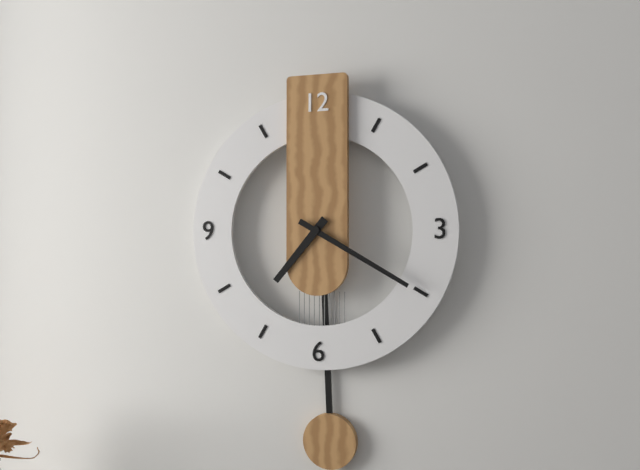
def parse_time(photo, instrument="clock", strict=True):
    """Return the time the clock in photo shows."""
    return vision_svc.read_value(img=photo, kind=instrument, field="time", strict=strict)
7:20
